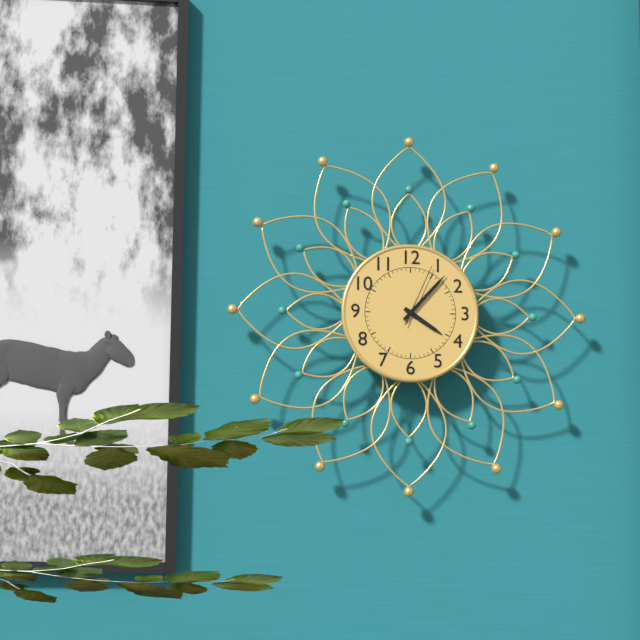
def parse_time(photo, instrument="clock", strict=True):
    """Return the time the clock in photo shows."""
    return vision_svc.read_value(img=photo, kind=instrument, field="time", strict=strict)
4:07:04
